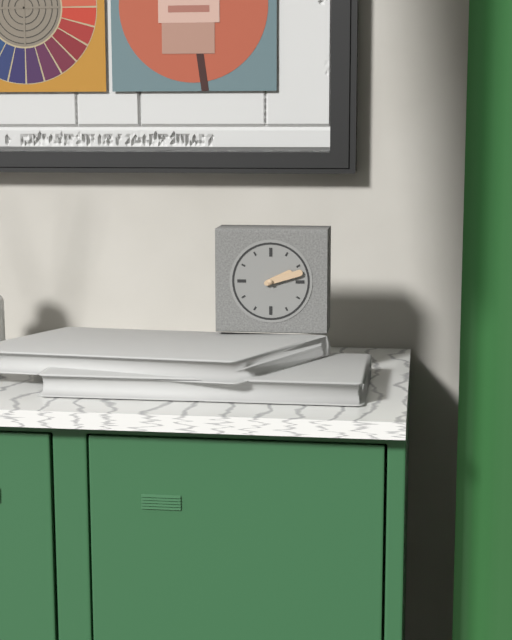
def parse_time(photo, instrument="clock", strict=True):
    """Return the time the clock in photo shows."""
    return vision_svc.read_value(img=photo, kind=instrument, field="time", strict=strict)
2:12
